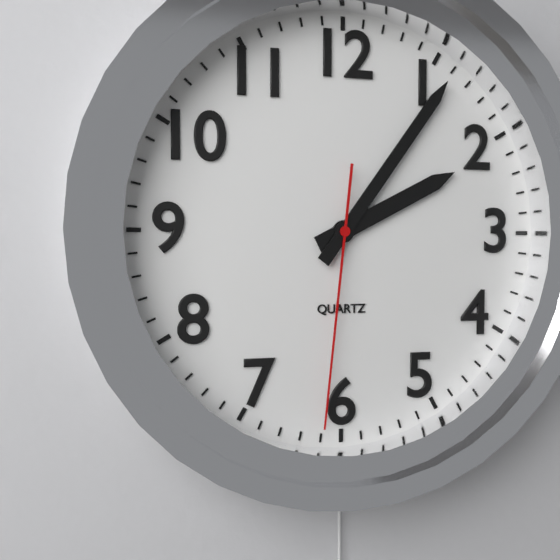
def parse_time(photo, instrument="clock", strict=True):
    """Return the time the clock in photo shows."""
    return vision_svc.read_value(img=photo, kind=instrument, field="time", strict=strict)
2:06:31
